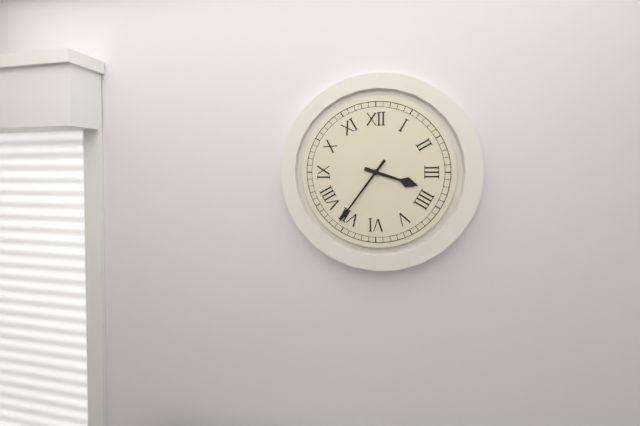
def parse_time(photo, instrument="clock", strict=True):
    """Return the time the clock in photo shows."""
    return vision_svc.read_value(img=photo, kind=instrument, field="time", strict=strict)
3:36
